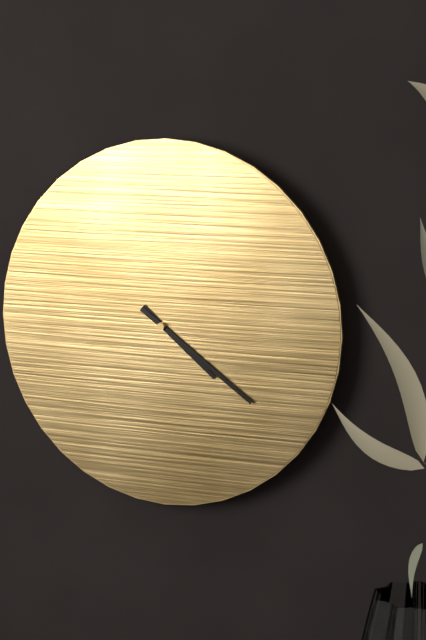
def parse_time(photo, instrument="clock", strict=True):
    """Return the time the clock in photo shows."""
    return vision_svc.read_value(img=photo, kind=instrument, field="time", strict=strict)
4:21
